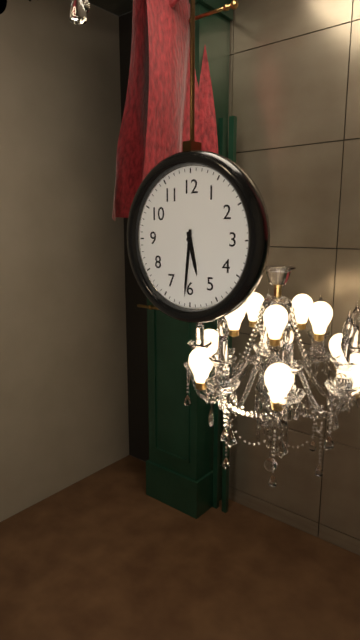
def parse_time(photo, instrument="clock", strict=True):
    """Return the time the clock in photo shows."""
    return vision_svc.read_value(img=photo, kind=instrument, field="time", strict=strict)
5:31
